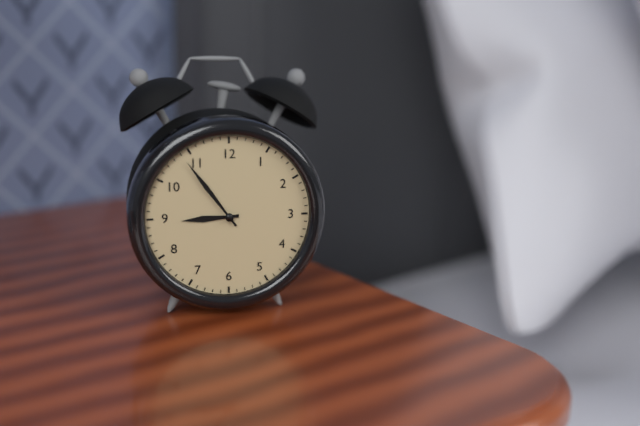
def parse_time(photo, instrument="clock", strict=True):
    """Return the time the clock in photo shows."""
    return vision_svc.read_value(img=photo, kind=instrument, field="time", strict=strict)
8:54
